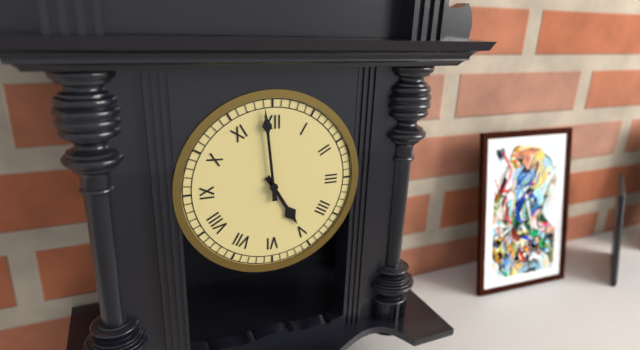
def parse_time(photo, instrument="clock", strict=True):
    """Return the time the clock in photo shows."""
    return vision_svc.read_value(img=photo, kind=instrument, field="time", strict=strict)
4:59
